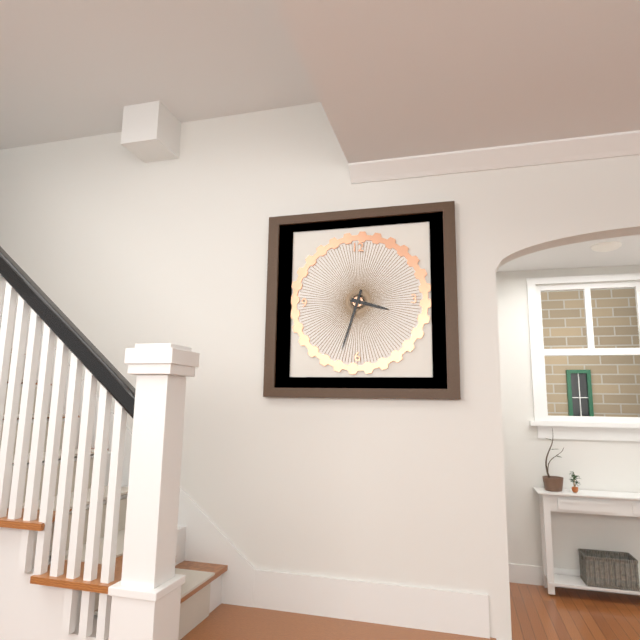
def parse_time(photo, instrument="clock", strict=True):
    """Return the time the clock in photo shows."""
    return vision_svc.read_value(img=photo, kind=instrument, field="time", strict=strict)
3:33
